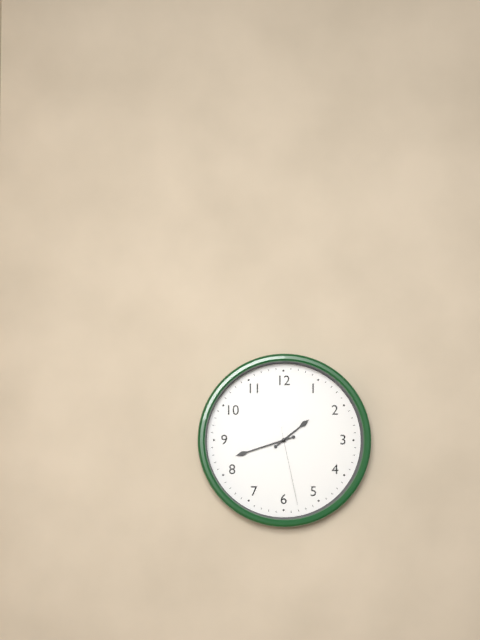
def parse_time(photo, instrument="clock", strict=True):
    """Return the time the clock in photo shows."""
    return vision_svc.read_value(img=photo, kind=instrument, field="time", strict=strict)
1:42:28
